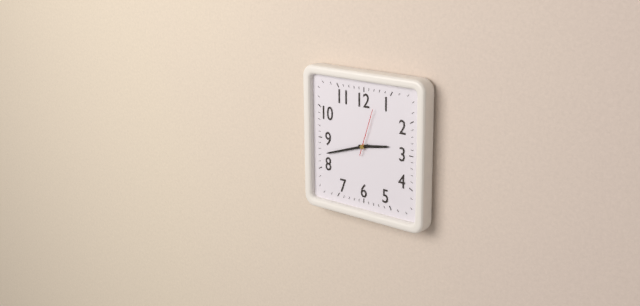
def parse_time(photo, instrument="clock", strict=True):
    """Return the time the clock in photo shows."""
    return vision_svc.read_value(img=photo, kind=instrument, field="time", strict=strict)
2:42
